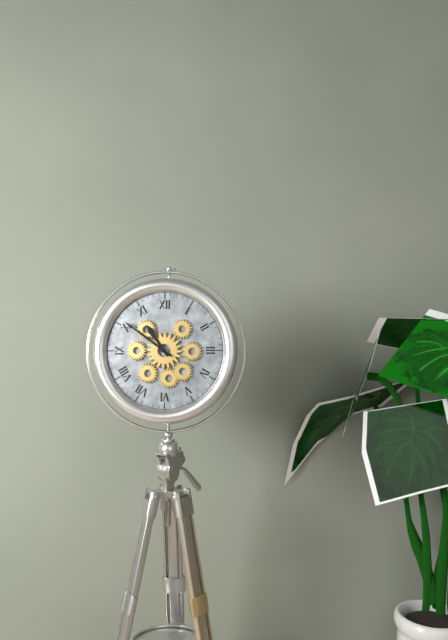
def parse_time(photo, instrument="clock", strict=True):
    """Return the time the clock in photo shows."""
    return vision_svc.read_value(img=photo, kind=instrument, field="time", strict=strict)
10:51
